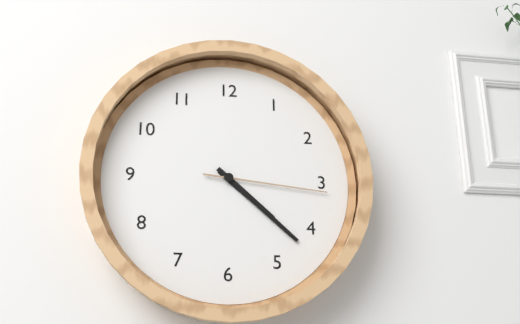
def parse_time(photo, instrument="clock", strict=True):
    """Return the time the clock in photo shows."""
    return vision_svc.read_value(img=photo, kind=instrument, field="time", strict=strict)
4:22:16
